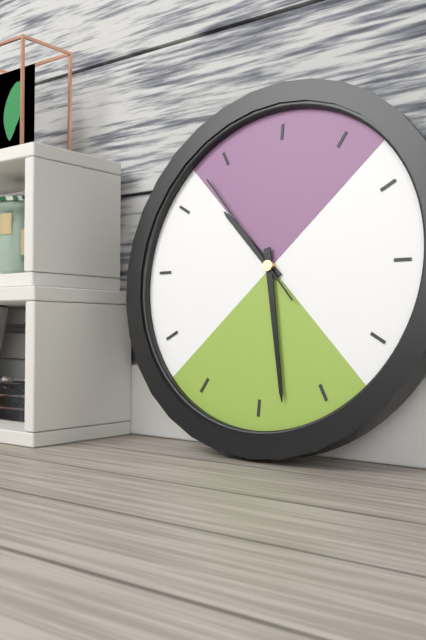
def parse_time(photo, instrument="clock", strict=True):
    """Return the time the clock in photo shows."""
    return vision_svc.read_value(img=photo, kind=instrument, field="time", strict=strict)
10:28:53
